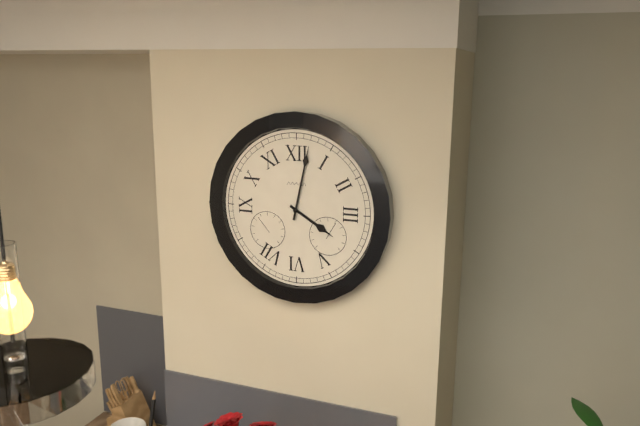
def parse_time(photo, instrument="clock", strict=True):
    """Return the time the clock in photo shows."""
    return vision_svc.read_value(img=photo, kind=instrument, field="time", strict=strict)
4:02
